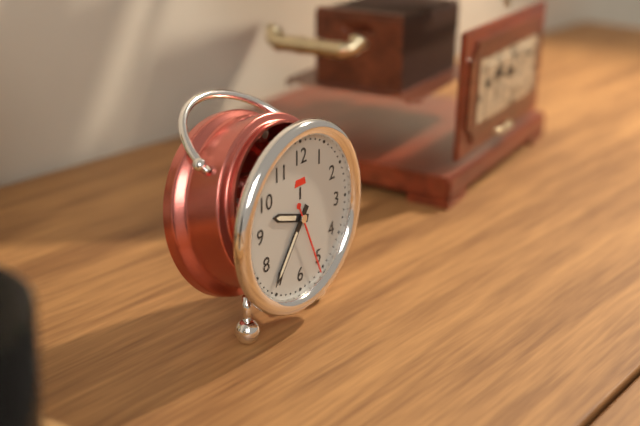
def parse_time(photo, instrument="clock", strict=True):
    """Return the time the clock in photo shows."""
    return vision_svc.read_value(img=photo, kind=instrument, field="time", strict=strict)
9:36:26
